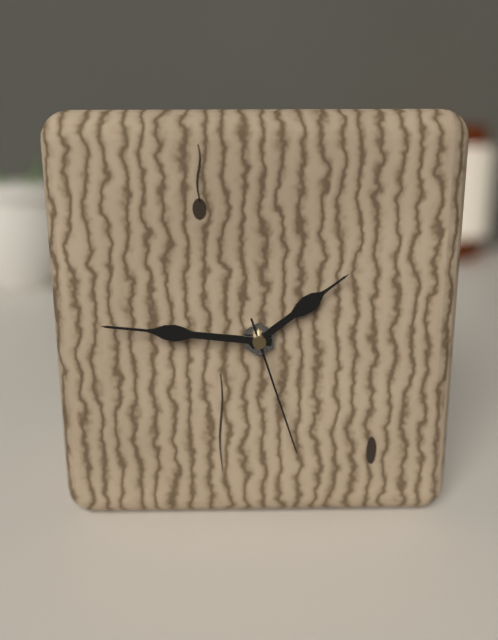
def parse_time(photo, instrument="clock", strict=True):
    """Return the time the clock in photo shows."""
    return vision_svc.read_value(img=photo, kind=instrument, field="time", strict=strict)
1:46:27
